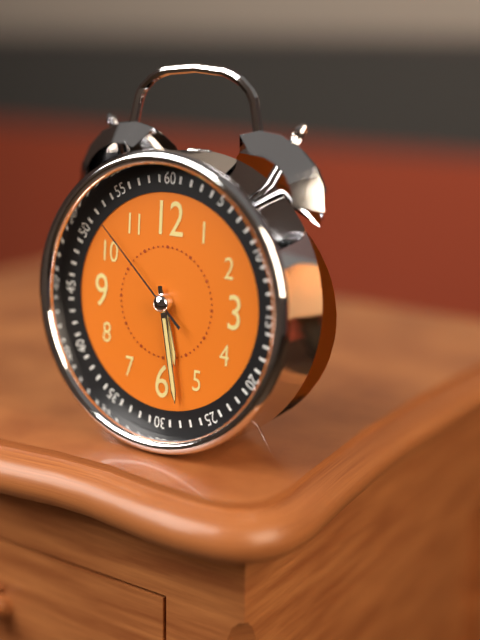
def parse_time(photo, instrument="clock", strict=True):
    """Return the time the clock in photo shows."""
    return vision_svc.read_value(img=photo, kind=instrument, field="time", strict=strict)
5:28:52
